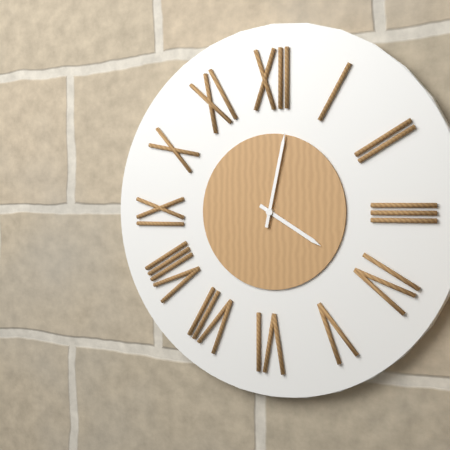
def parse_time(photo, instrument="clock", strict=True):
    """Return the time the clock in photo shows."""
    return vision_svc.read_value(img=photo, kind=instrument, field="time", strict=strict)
4:02
